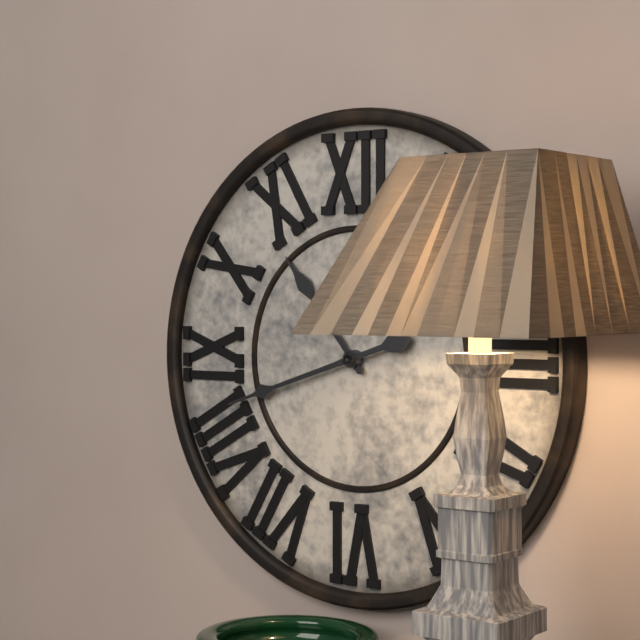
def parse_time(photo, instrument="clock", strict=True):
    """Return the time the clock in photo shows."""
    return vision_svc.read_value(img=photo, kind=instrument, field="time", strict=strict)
10:42
